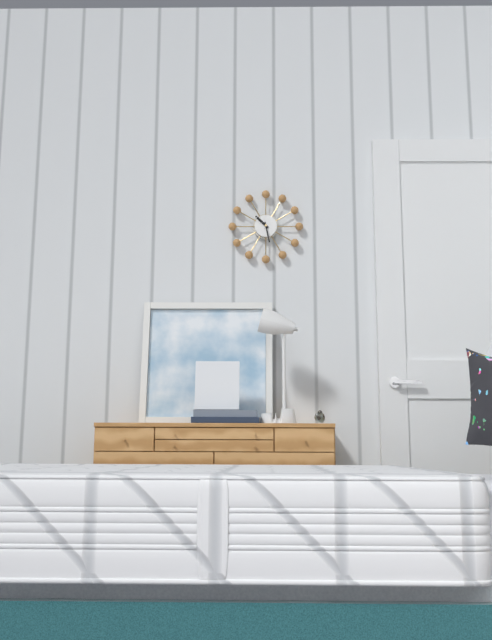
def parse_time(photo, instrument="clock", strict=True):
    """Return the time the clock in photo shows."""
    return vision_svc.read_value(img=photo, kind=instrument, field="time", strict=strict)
10:28
